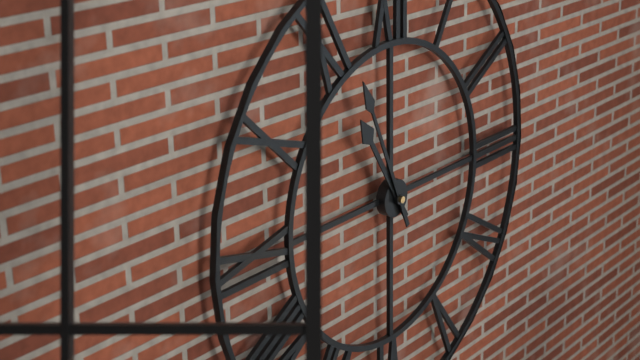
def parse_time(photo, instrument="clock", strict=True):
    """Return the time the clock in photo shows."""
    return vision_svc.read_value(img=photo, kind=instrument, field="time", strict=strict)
10:56
